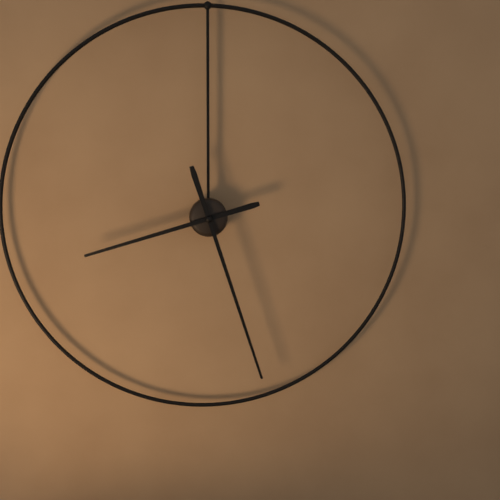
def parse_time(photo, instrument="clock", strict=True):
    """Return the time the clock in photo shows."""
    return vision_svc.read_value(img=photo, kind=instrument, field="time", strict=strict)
8:27
